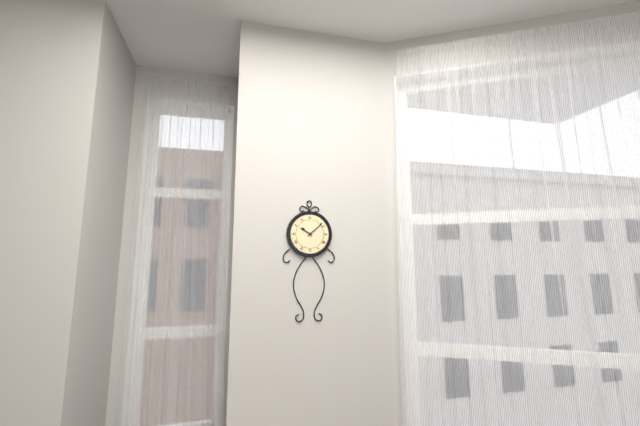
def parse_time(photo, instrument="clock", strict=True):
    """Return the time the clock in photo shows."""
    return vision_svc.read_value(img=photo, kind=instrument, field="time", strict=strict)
10:08
